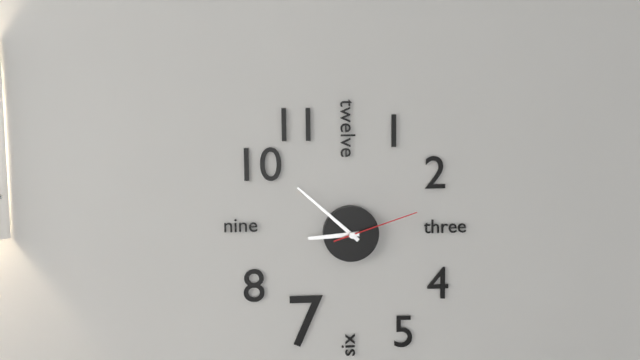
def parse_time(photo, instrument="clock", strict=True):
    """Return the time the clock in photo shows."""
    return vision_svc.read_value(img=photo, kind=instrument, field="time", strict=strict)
8:52:12
